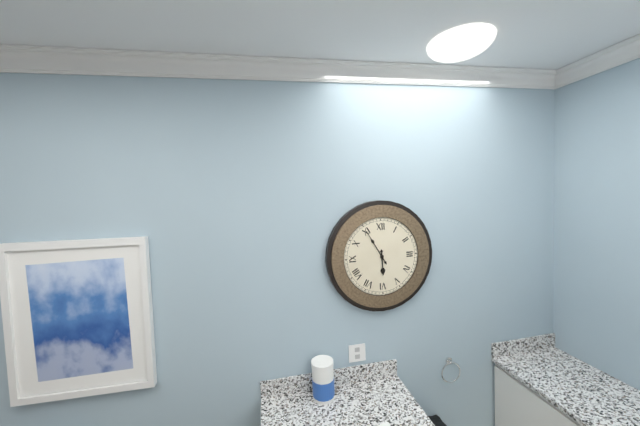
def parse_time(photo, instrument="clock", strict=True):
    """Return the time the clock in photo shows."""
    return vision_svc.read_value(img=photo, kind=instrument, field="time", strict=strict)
5:55
